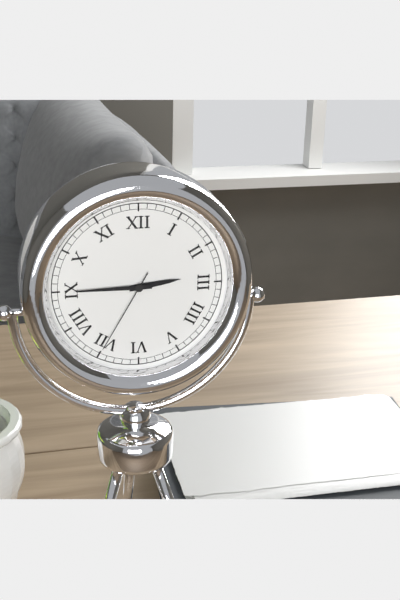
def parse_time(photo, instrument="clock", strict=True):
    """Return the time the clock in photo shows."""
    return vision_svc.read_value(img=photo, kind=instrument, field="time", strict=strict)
2:45:35
